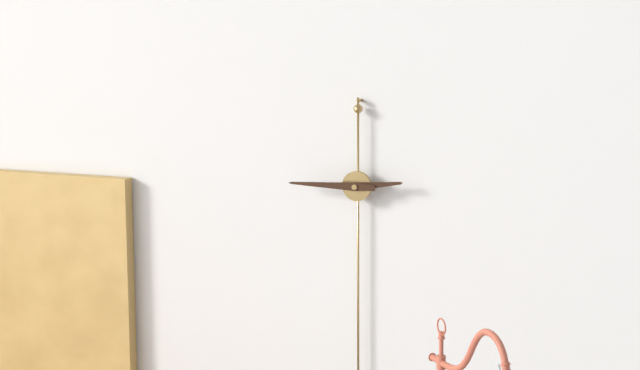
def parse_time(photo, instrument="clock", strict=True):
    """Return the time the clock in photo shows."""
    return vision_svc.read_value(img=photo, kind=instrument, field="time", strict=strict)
2:45
